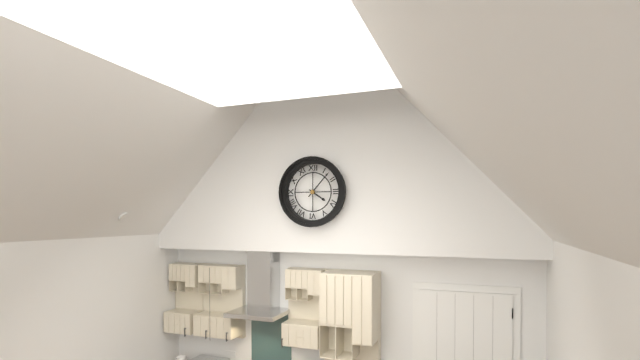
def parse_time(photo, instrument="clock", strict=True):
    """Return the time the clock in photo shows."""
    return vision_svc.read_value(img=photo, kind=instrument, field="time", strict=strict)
4:07
